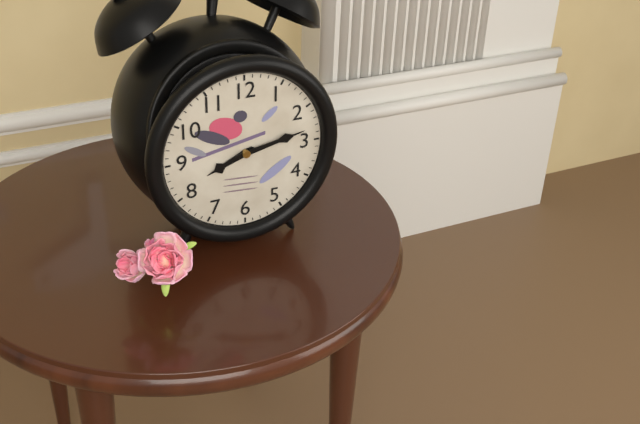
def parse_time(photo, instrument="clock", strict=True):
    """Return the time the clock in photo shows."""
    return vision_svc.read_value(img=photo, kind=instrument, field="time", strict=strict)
8:13
